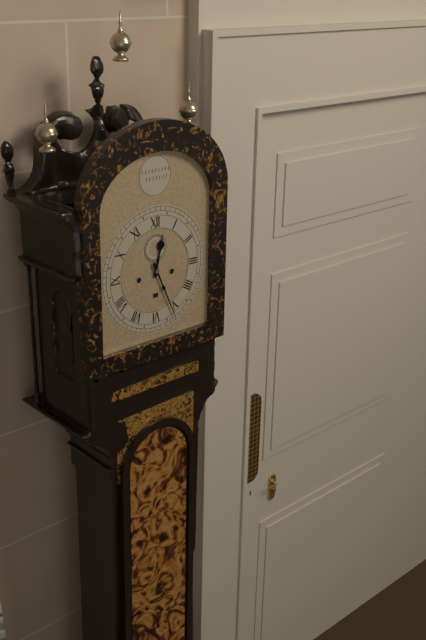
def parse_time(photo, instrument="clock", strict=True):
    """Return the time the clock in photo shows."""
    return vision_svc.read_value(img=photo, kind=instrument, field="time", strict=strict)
12:26
